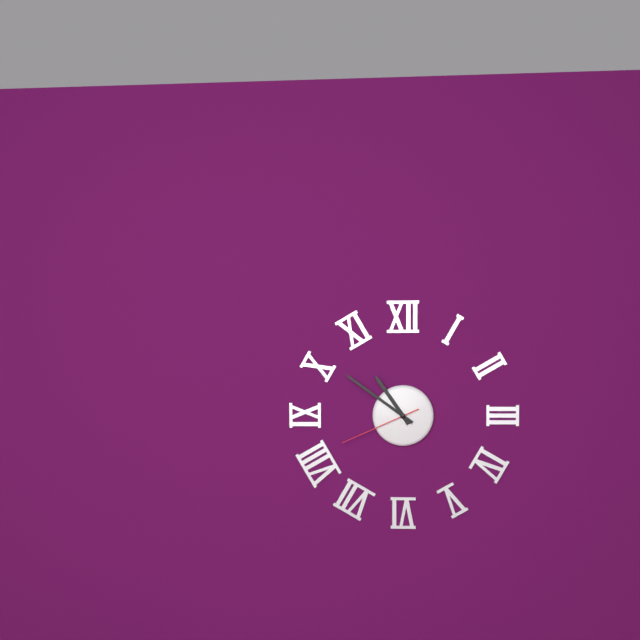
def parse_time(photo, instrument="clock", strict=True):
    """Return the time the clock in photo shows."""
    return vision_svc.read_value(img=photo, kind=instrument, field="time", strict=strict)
10:51:41
